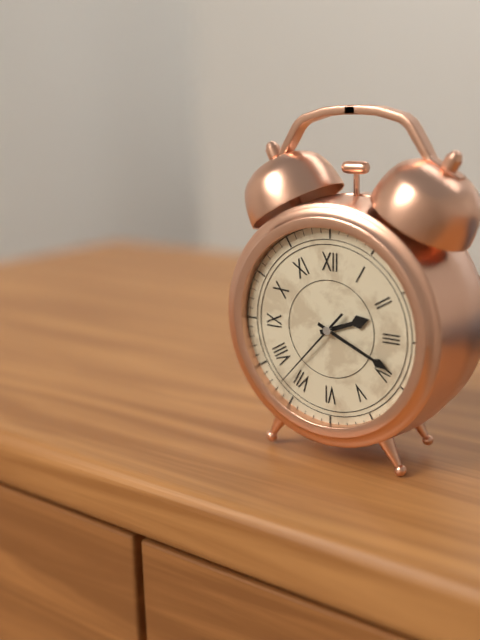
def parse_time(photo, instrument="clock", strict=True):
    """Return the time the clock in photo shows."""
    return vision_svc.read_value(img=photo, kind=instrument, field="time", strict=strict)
2:19:37
